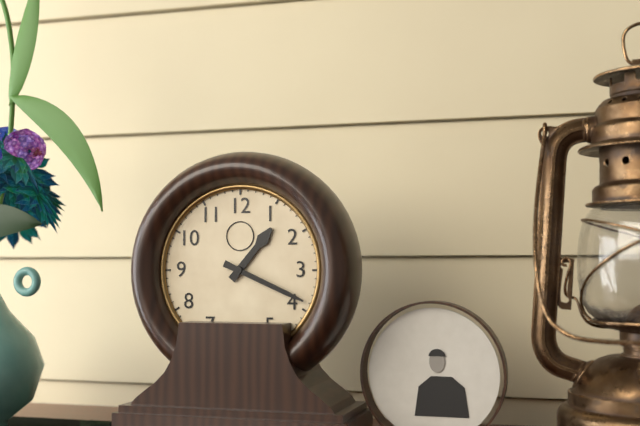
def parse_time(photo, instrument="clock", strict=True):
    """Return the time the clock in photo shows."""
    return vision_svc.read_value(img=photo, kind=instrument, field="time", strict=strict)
1:19
